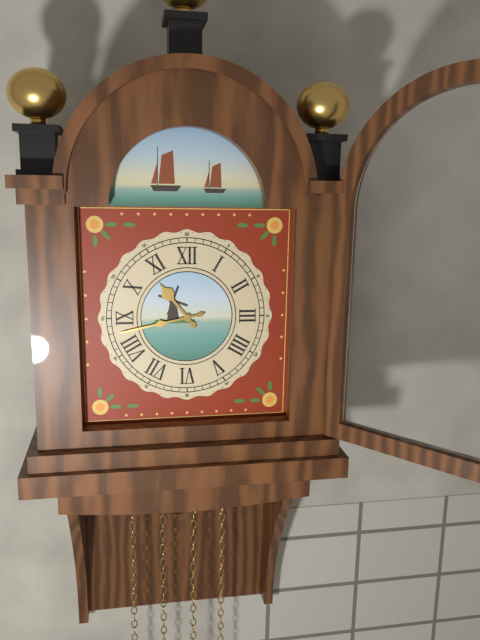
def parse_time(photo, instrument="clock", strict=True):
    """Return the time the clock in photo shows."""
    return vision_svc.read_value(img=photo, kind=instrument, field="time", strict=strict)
10:43
